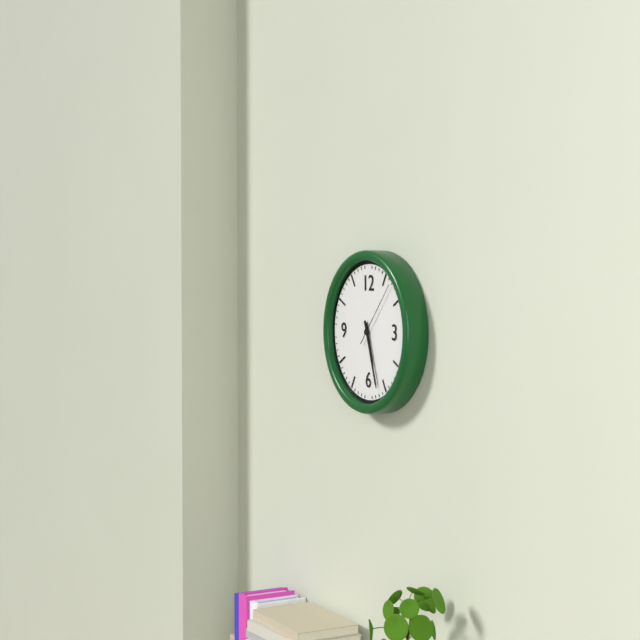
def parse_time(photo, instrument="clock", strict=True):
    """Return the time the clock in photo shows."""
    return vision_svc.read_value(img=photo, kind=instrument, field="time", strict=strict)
5:27:07
